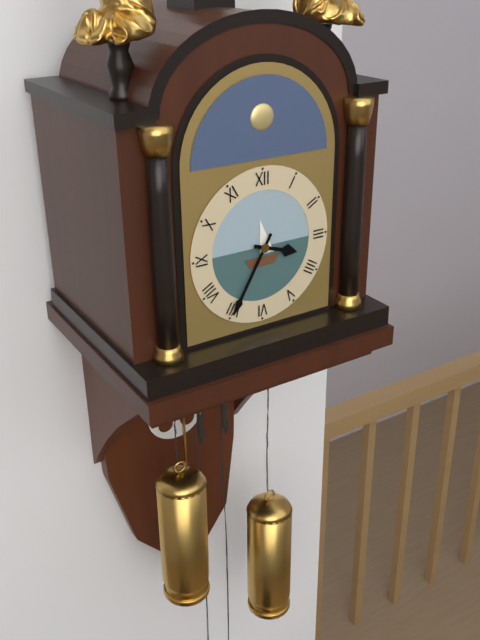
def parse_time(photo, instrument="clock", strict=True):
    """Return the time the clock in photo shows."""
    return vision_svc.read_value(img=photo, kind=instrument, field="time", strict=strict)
3:35
